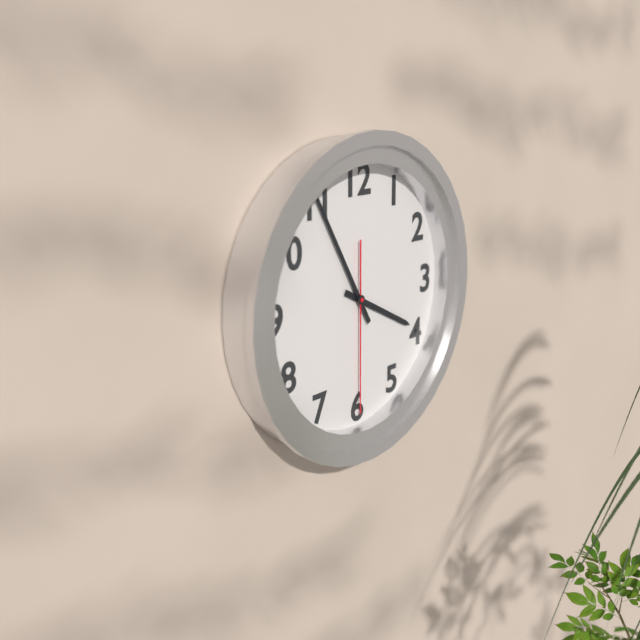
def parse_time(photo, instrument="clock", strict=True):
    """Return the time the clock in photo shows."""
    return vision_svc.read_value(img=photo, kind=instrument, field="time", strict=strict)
3:55:30
